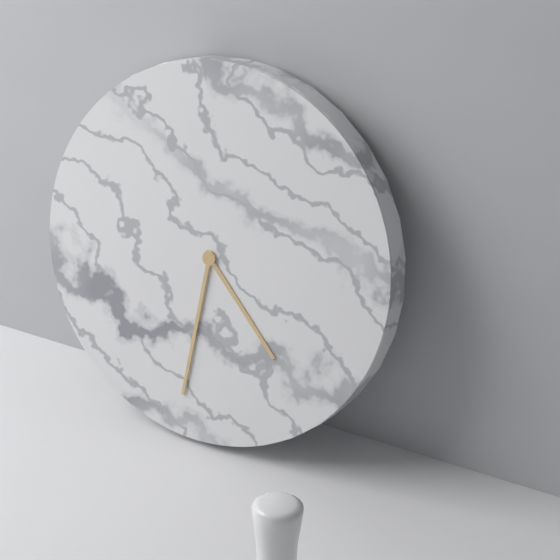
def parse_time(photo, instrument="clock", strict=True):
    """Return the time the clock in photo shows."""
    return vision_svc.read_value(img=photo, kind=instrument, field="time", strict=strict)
4:31
